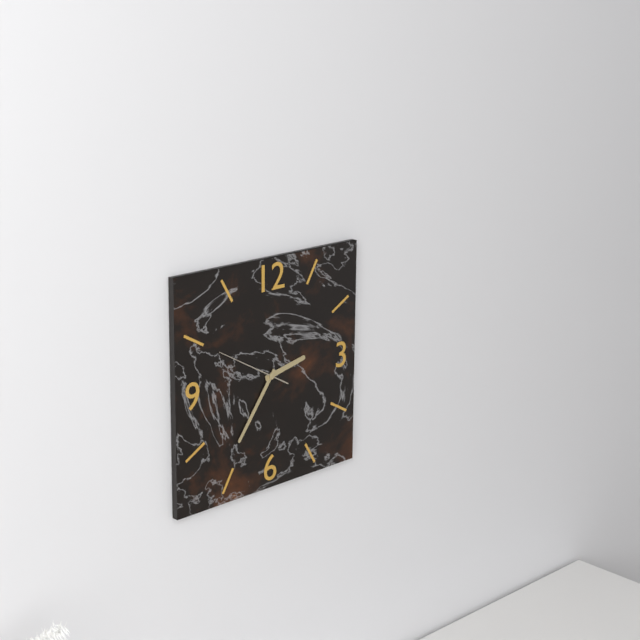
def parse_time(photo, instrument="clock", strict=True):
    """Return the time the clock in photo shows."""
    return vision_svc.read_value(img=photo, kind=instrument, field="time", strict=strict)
2:36:50
